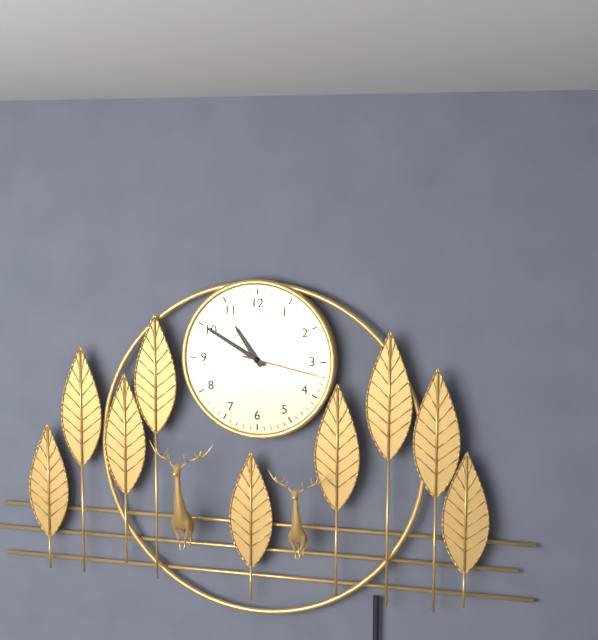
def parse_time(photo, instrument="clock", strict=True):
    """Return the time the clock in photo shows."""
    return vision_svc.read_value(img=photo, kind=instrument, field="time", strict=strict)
10:50:17
